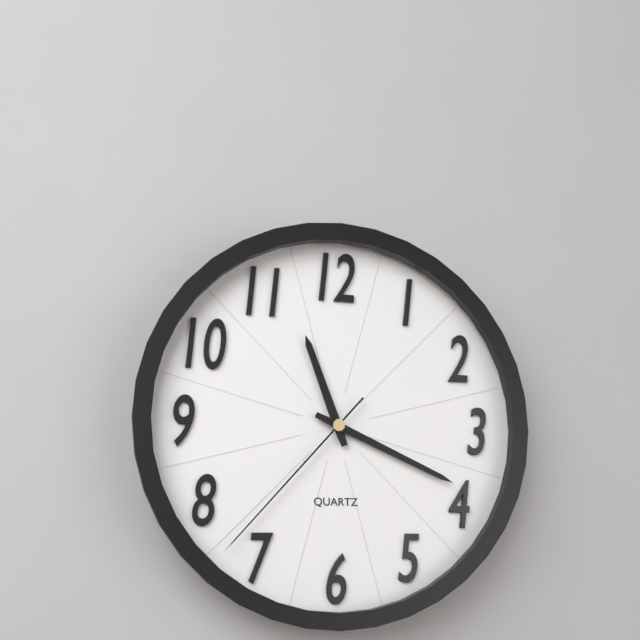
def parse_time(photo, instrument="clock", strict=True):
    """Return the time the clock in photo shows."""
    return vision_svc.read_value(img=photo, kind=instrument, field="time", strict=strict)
11:19:37
